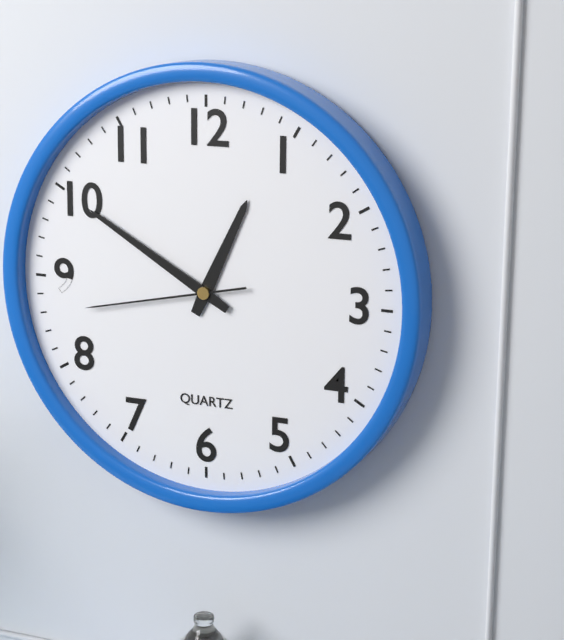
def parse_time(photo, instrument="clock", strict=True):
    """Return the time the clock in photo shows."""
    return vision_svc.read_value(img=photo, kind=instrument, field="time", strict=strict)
12:50:43
